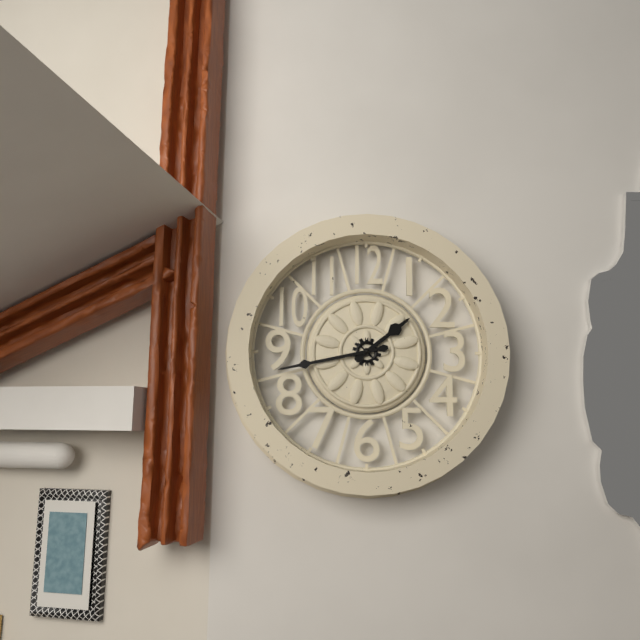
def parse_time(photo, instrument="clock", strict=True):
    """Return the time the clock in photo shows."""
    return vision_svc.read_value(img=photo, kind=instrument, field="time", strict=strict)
1:43
